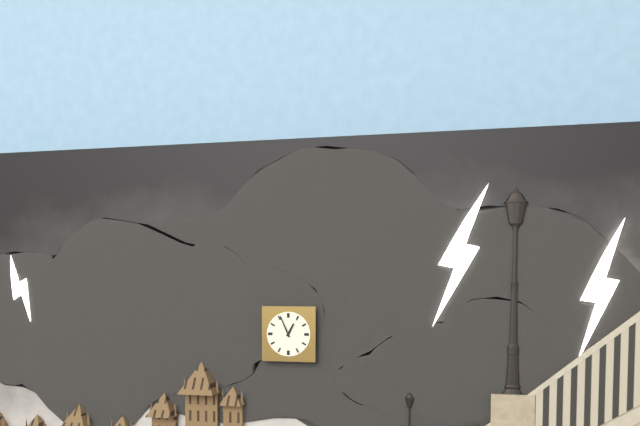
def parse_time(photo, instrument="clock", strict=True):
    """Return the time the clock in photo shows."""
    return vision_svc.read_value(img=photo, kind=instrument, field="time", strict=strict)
12:56
